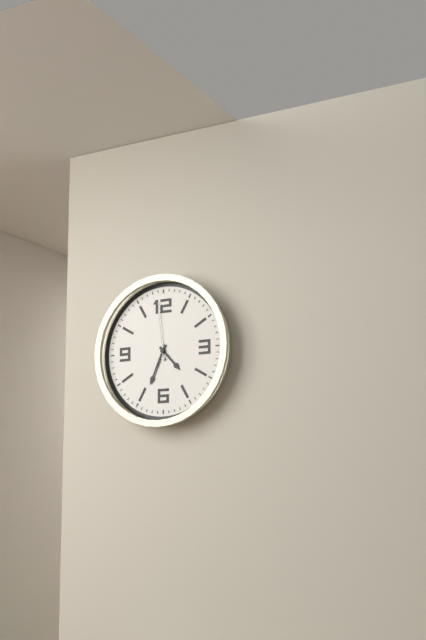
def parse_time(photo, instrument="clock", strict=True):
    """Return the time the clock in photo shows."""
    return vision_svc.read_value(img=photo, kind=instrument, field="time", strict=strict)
4:34:59
